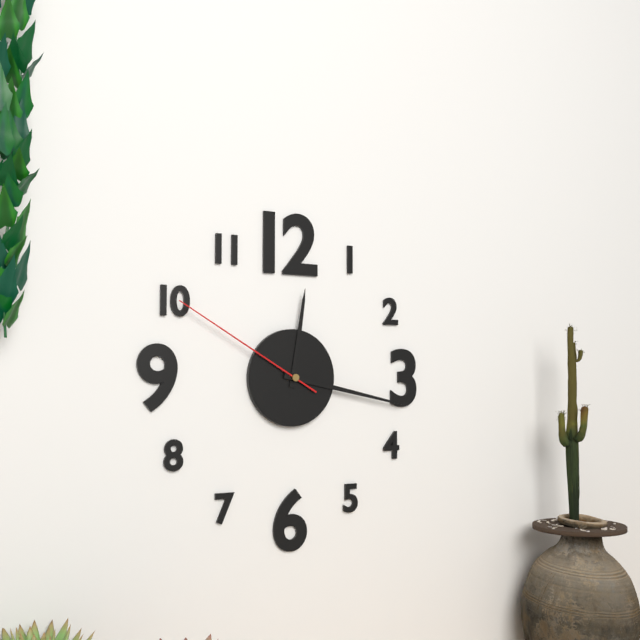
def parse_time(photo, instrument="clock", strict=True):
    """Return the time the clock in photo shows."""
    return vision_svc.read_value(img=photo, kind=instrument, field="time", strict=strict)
12:17:50
